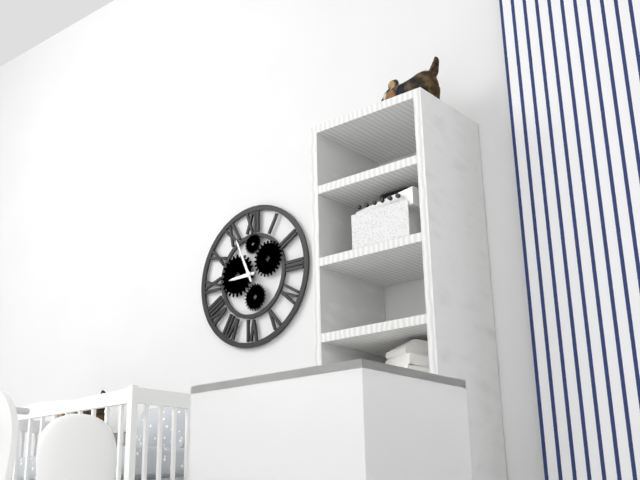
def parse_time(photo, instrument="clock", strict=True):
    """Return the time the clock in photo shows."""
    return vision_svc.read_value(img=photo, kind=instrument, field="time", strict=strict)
8:56
